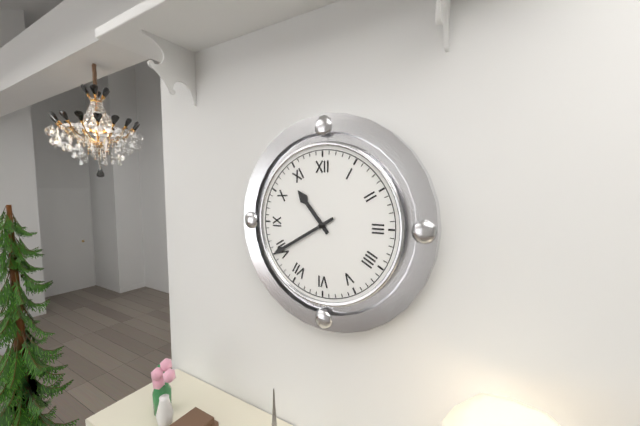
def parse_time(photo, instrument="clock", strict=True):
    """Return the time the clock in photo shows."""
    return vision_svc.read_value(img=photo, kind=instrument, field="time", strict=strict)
10:40
